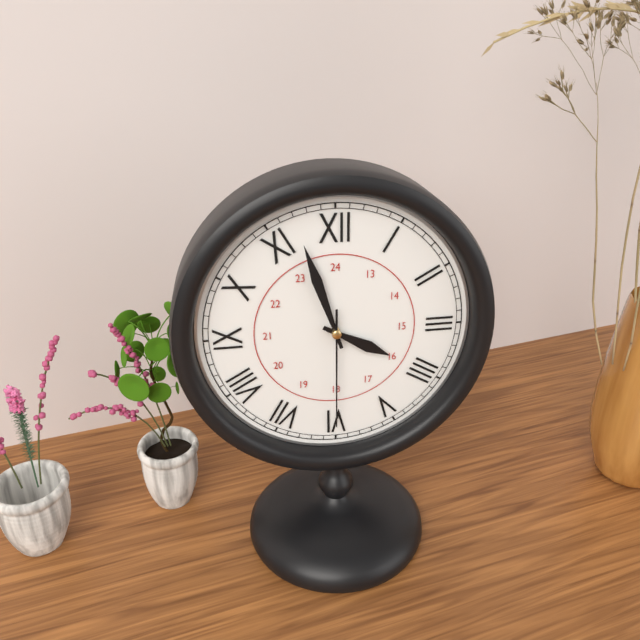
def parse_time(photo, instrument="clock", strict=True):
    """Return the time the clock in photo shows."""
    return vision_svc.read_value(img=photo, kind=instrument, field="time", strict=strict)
3:57:30
